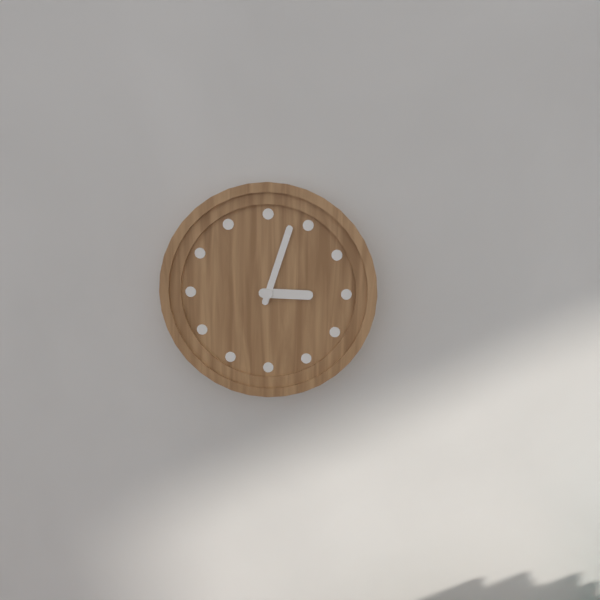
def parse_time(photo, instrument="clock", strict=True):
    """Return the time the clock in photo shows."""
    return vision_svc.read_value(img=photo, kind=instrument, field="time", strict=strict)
3:03
